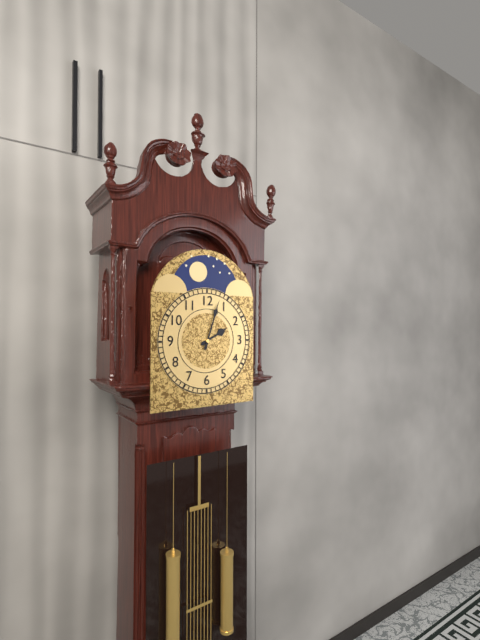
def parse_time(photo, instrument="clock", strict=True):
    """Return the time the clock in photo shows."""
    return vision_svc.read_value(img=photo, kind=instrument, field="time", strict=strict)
2:03
